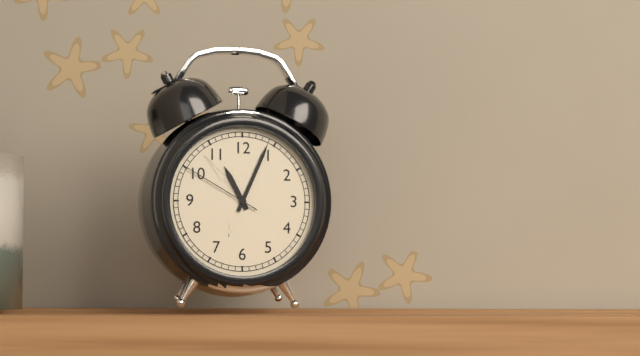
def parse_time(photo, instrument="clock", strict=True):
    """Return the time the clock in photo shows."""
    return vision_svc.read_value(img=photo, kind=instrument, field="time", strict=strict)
11:04:50
